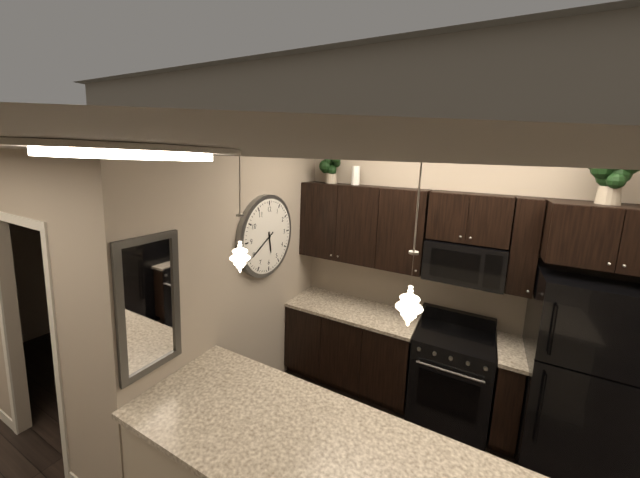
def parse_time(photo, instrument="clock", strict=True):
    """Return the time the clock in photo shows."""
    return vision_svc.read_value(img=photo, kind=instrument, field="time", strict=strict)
5:40
